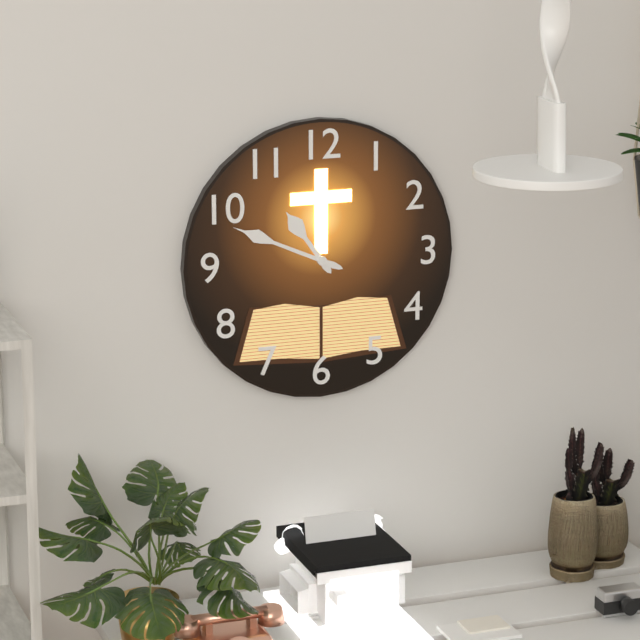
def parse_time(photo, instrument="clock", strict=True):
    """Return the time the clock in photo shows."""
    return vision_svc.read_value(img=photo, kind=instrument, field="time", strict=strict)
10:49
